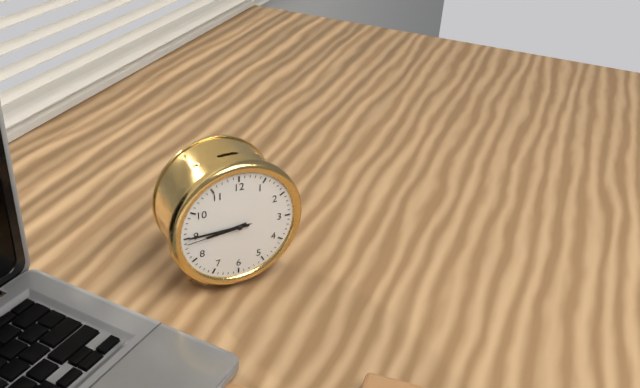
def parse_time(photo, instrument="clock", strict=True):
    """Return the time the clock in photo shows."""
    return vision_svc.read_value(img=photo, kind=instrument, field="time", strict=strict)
8:45:44
